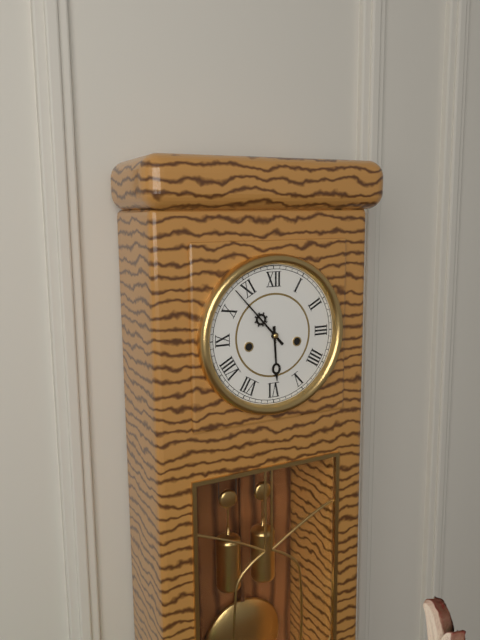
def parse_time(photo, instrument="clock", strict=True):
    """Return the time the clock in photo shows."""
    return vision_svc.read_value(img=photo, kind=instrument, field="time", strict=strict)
5:53
